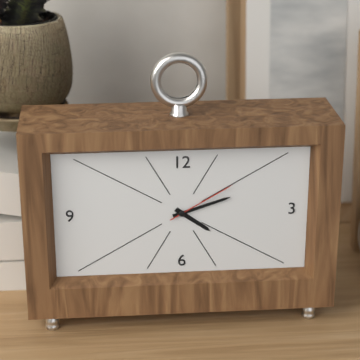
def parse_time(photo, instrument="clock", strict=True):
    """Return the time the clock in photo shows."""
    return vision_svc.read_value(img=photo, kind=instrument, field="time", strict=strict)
4:12:10
